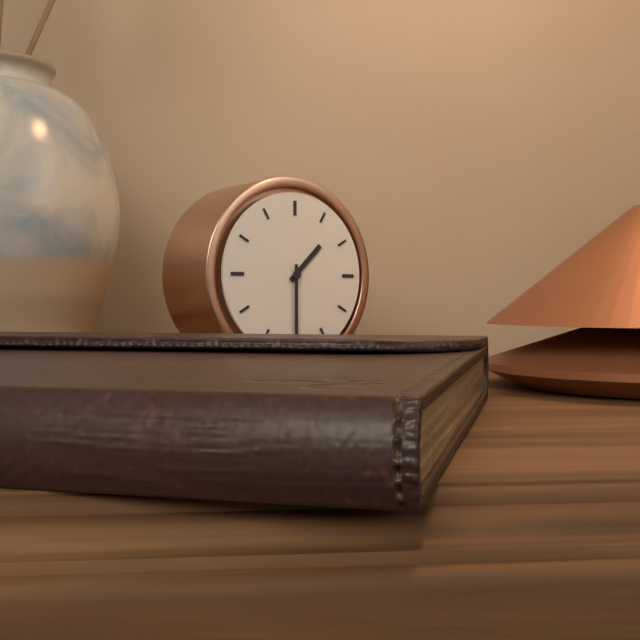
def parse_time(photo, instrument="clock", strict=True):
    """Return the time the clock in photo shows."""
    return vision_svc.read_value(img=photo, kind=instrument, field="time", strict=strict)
1:30
